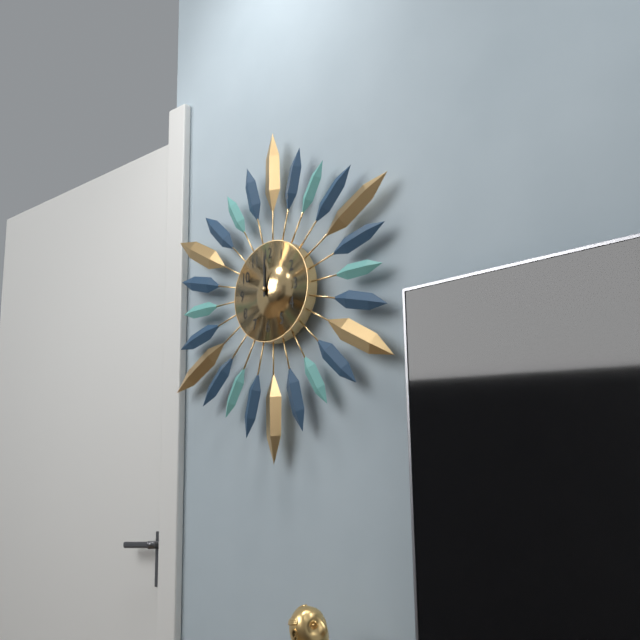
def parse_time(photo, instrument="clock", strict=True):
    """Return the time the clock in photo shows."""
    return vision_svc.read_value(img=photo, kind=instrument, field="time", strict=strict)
12:00
